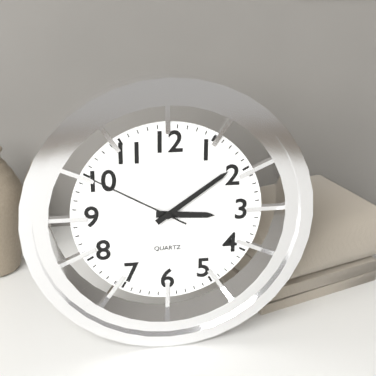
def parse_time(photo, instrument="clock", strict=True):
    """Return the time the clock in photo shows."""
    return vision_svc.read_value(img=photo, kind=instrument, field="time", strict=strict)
3:09:50
